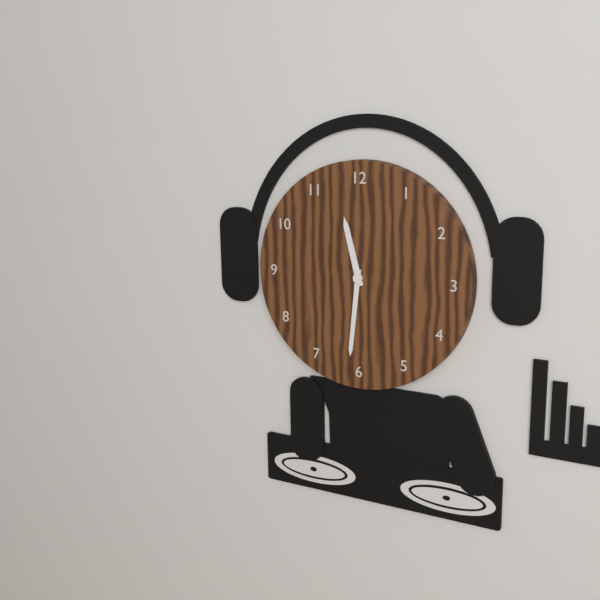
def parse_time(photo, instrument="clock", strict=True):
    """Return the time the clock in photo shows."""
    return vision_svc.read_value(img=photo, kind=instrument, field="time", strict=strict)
11:31
